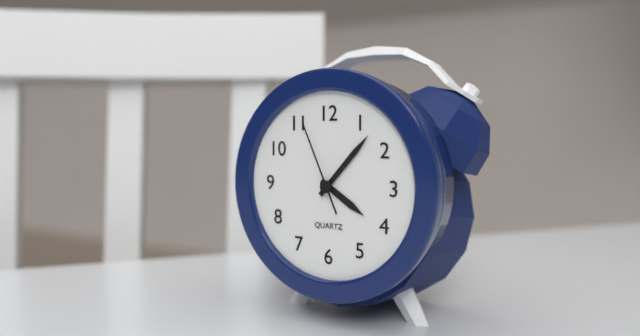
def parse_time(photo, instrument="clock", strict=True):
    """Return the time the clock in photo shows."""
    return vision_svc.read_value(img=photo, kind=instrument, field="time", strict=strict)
4:07:56
